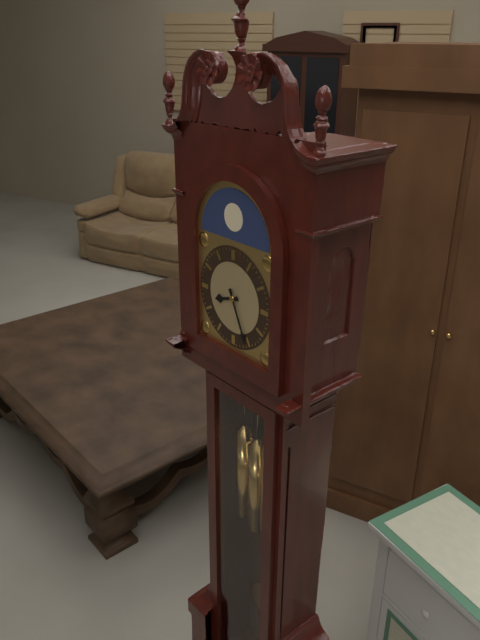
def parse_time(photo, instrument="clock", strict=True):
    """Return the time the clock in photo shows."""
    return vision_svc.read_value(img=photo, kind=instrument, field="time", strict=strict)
8:26
